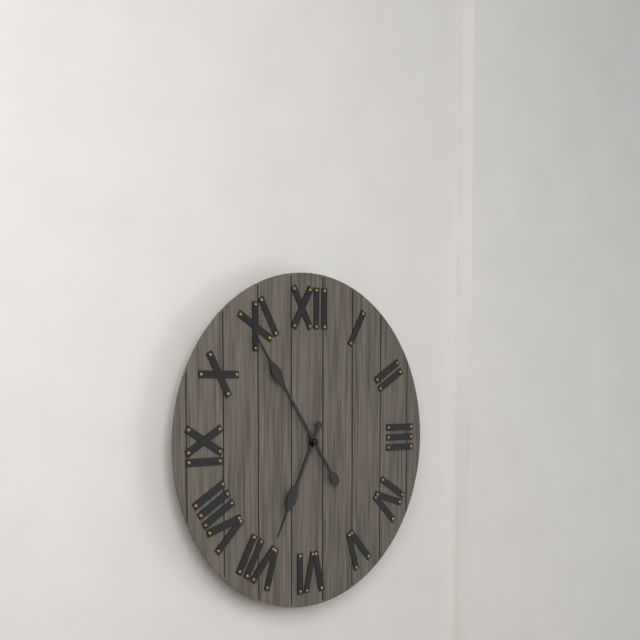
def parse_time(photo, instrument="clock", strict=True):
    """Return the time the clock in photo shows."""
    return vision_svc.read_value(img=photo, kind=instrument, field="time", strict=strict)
6:54
